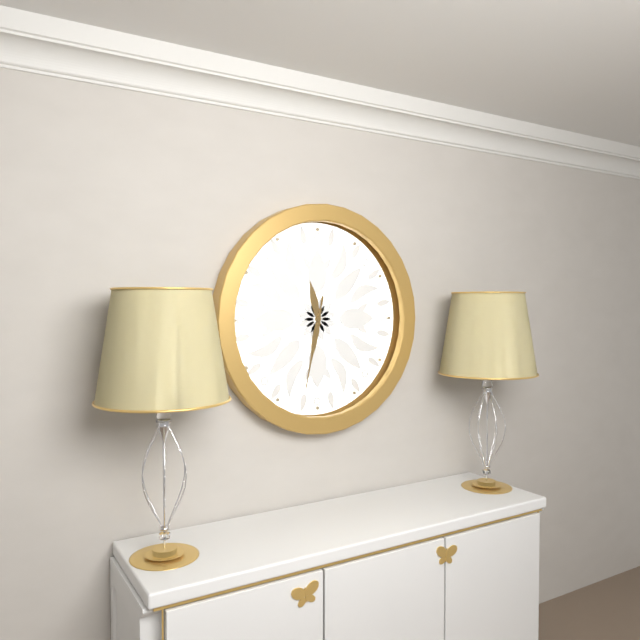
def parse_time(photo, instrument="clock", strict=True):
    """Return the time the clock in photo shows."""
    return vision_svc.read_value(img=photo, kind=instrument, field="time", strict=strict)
11:32
